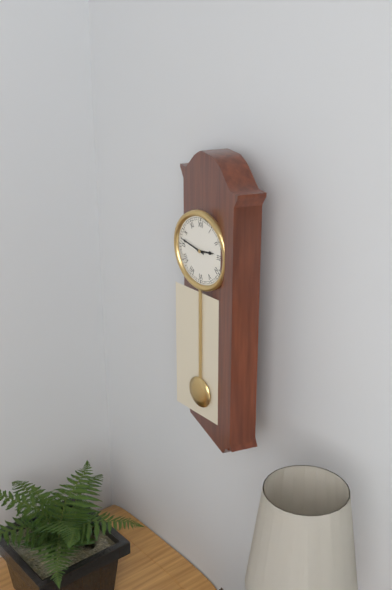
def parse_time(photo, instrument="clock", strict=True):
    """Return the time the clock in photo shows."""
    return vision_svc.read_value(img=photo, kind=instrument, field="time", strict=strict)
2:47
